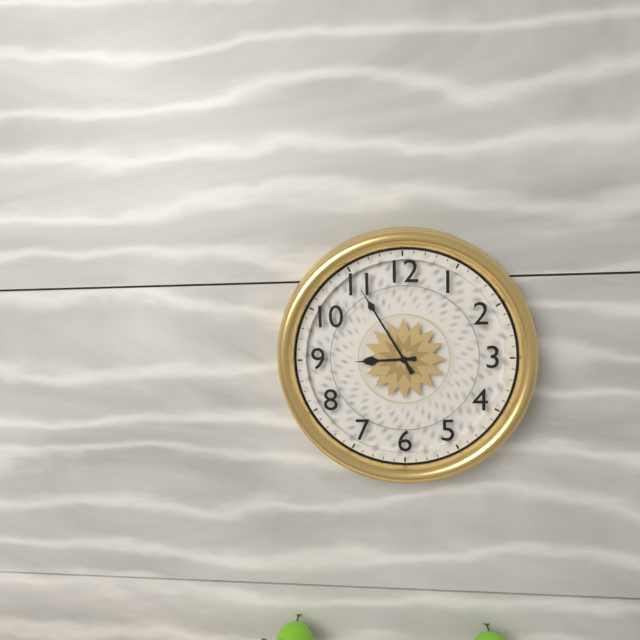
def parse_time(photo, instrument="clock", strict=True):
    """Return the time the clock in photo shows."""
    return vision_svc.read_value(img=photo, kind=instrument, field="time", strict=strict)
8:55
